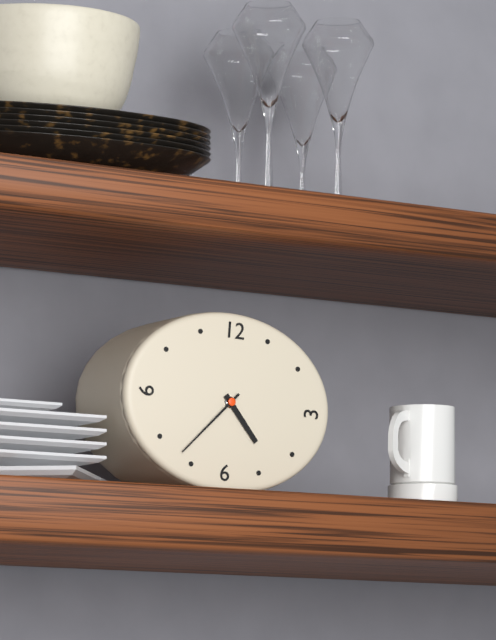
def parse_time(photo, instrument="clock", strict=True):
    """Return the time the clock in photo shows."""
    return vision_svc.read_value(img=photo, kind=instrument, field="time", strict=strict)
4:37
